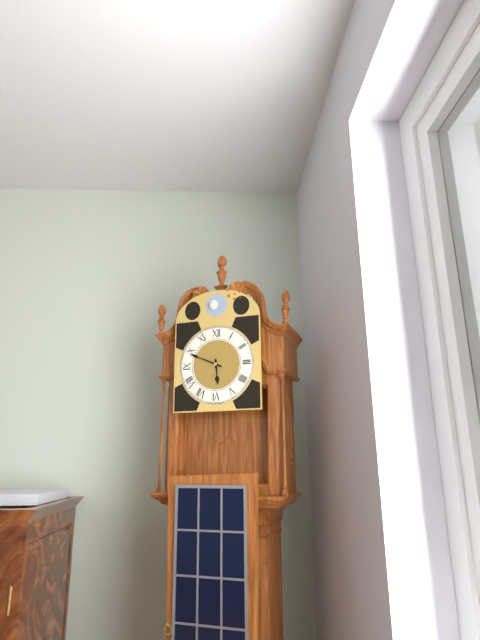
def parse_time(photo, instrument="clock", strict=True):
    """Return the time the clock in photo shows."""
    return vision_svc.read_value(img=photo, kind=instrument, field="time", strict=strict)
5:49
